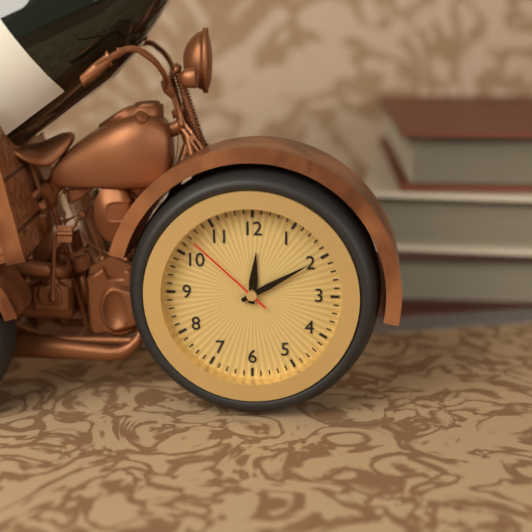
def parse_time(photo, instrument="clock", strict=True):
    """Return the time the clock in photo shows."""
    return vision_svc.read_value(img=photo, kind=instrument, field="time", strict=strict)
12:10:52
